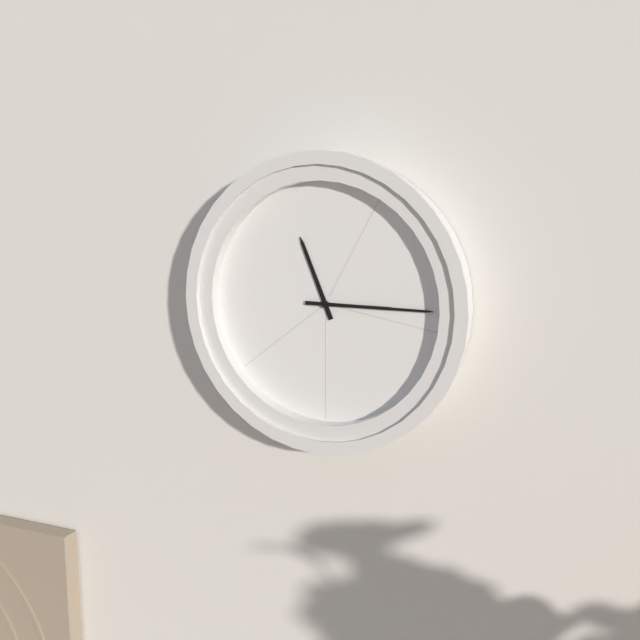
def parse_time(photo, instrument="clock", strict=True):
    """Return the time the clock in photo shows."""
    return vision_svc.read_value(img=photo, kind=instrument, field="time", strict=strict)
11:15
